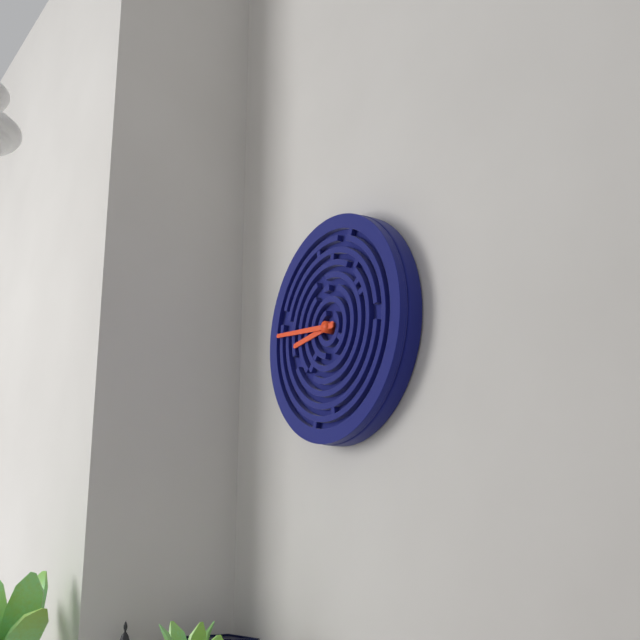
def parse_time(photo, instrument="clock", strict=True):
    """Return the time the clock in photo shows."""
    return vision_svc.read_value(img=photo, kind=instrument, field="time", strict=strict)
8:46
